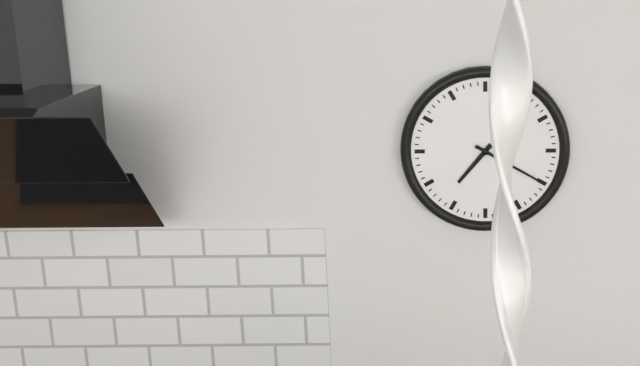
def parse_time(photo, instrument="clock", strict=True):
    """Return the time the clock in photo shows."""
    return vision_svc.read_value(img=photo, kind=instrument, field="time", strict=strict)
7:20
